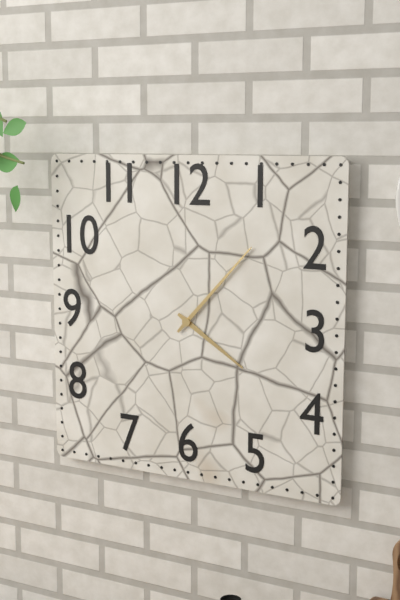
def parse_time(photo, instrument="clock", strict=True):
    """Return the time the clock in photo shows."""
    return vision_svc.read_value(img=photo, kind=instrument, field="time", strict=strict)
4:07
